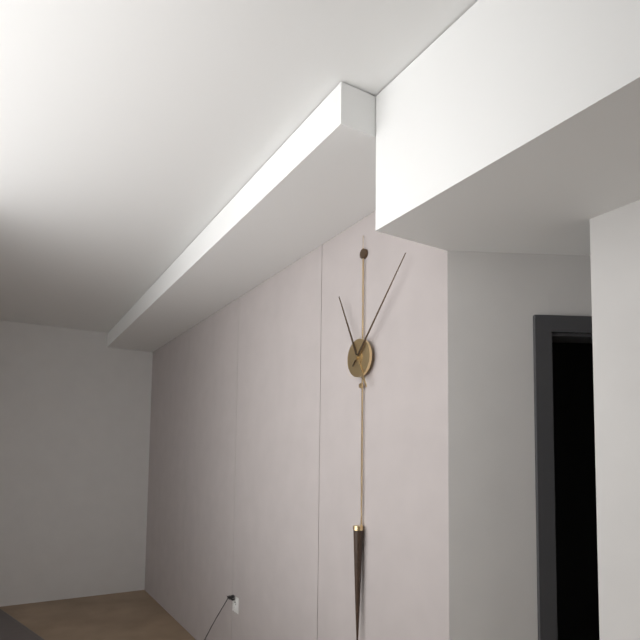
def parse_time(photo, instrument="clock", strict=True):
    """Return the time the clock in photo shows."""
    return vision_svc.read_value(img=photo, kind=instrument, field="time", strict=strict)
11:07
